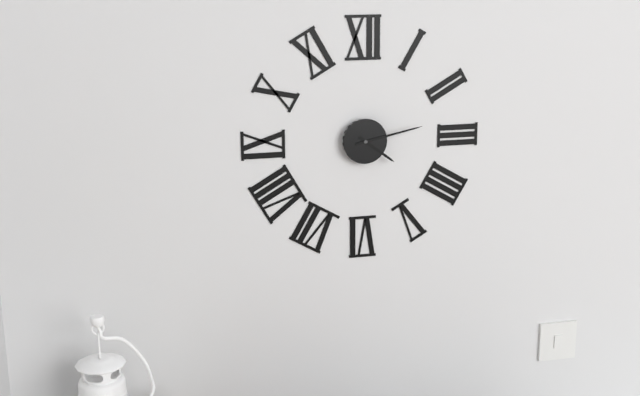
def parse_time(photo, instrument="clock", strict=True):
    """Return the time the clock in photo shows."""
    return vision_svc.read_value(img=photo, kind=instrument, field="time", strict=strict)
4:13
